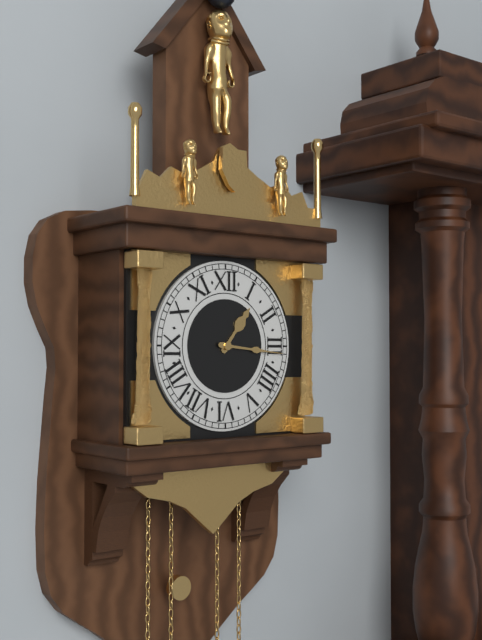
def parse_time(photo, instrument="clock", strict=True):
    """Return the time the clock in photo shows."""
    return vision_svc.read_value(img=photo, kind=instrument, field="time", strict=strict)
1:16
